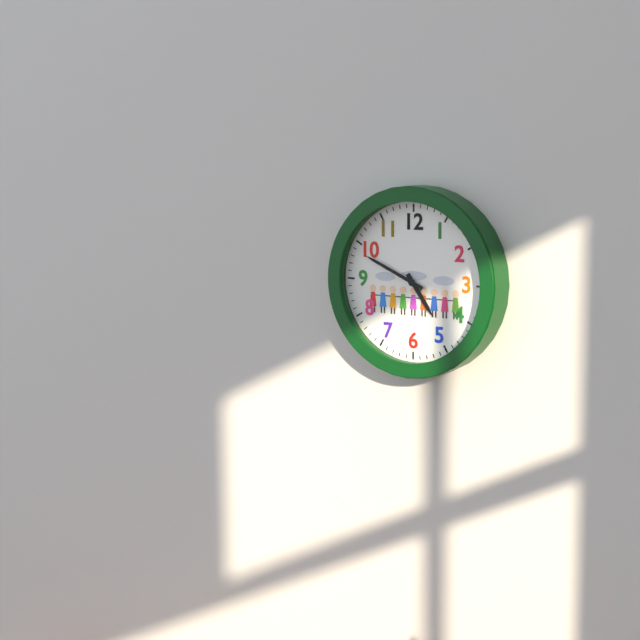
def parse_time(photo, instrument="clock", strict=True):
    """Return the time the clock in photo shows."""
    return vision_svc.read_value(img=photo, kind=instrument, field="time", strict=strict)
4:49
